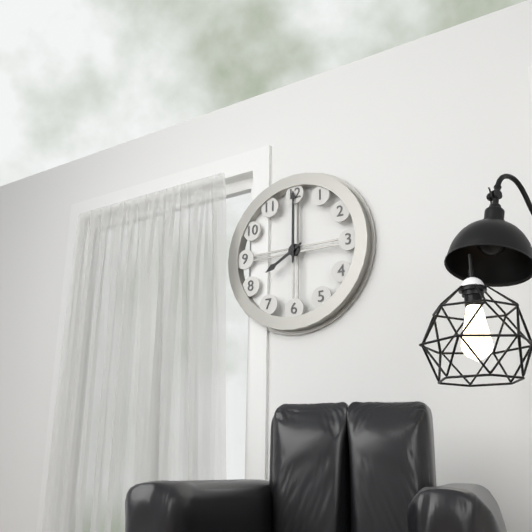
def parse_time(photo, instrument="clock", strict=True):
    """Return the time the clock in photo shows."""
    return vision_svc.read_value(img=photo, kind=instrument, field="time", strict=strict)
8:00
